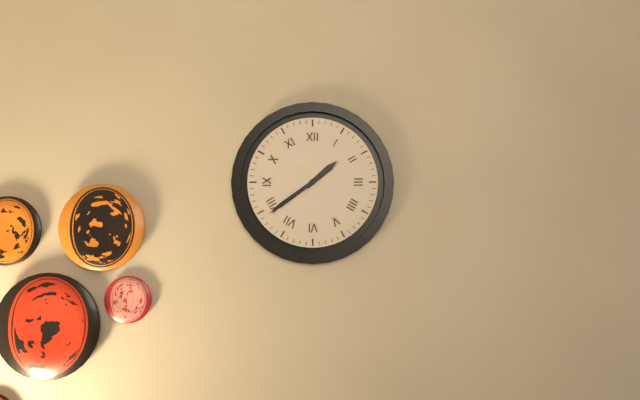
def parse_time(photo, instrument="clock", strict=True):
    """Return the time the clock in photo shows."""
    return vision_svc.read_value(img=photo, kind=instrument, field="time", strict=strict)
1:39
